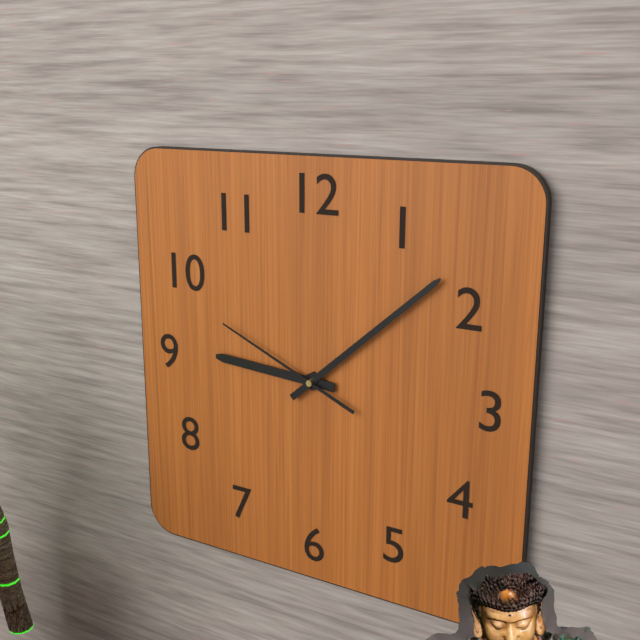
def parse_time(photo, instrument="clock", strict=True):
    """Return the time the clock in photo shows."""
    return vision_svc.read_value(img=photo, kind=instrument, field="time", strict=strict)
9:08:49
